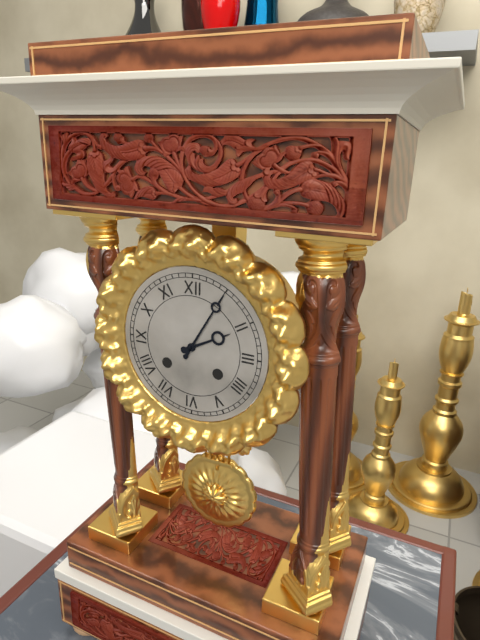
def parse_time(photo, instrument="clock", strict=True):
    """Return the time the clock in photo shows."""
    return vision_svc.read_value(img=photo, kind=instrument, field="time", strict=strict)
2:05
